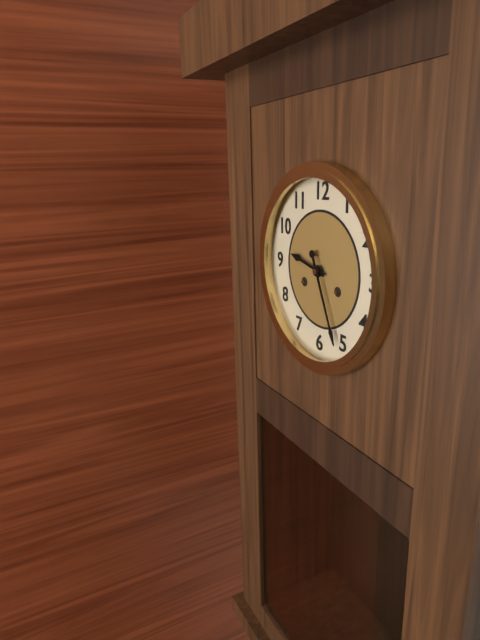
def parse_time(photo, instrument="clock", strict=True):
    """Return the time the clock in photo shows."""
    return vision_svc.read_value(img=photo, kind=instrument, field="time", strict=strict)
9:26
